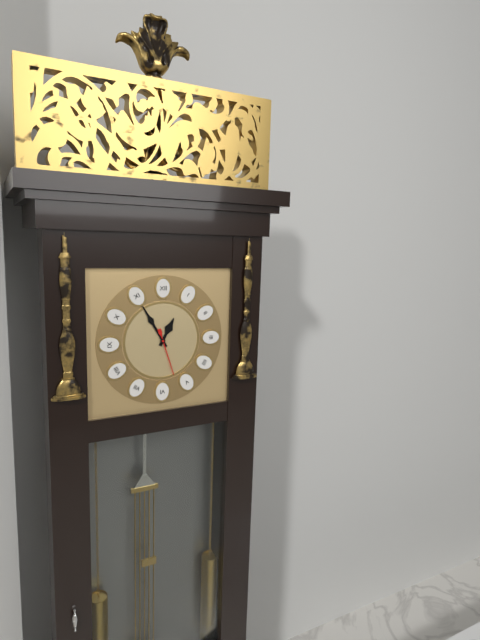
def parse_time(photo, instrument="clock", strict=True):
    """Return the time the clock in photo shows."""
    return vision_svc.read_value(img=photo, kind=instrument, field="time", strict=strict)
12:55
